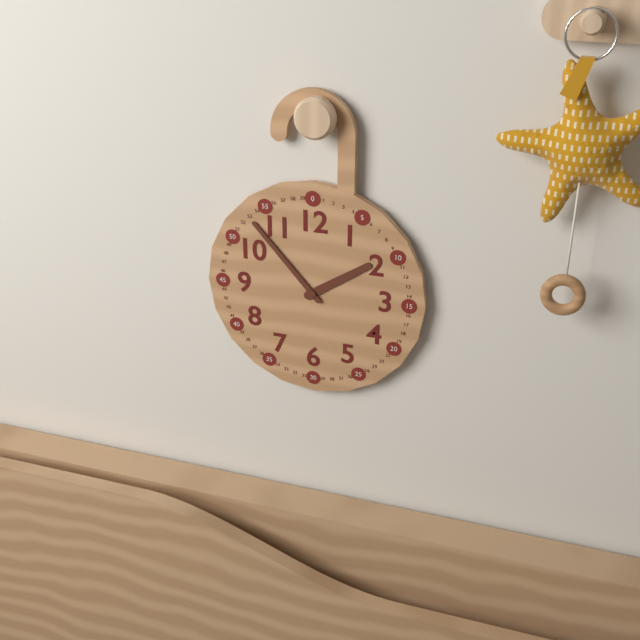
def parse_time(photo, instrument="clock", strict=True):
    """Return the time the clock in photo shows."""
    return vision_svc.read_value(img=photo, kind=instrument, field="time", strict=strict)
1:53
